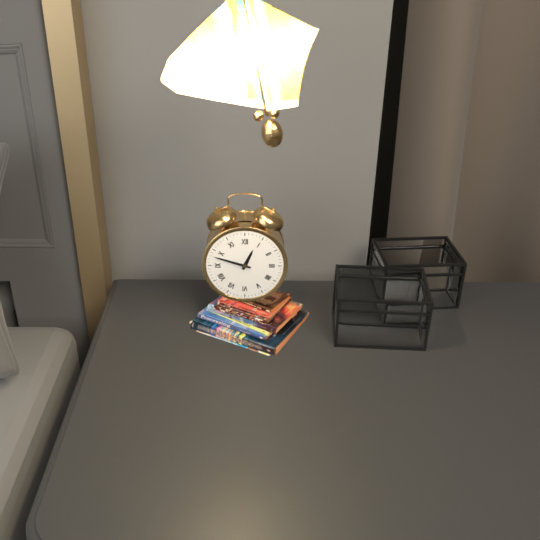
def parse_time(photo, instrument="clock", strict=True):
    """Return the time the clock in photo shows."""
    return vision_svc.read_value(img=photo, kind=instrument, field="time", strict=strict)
12:48
